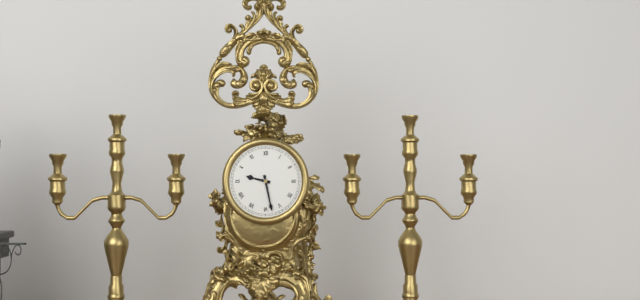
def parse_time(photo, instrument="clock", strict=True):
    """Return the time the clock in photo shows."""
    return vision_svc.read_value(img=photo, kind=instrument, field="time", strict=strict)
9:28
